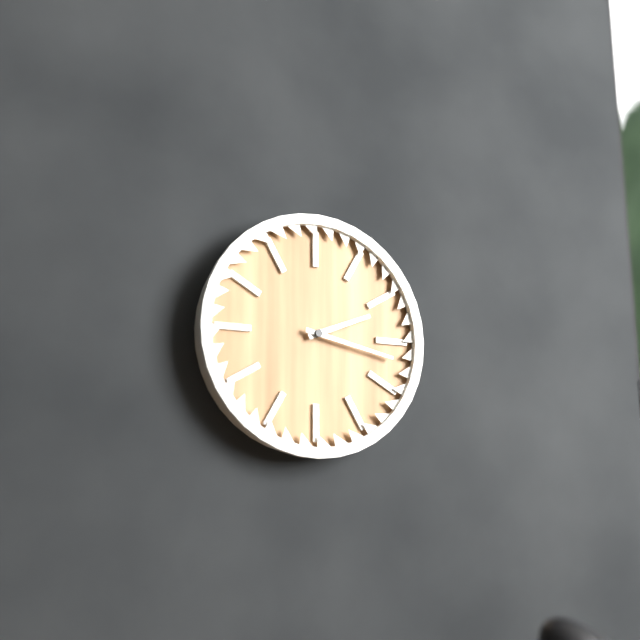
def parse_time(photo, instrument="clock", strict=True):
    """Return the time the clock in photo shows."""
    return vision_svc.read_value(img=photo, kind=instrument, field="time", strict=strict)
2:17
